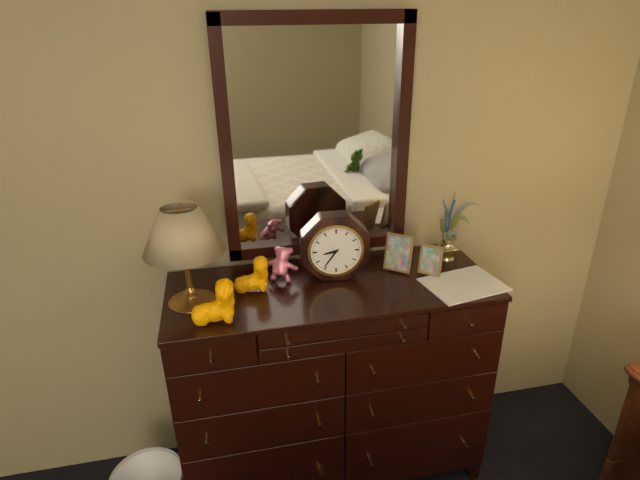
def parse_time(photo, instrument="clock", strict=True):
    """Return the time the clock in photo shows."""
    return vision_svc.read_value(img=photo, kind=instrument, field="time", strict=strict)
8:36
